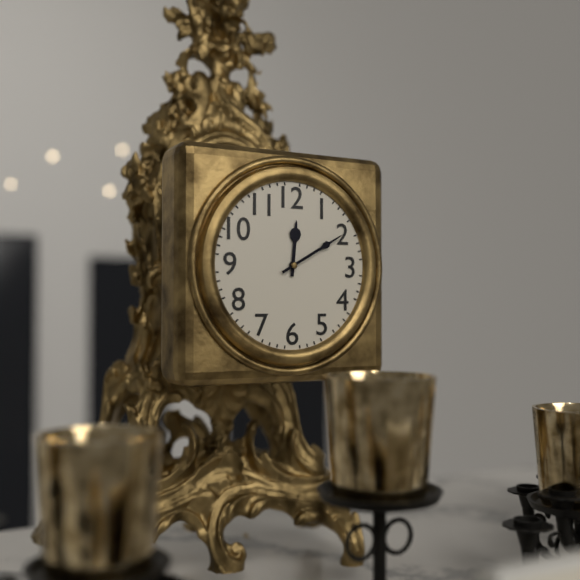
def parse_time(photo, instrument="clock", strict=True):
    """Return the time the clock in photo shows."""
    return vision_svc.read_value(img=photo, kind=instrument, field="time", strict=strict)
12:10
